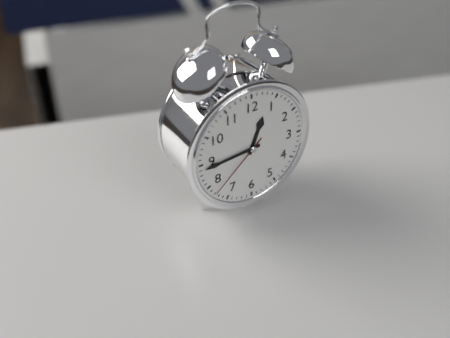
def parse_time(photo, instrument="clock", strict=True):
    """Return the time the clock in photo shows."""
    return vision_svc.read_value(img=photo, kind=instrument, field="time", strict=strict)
12:44:38
